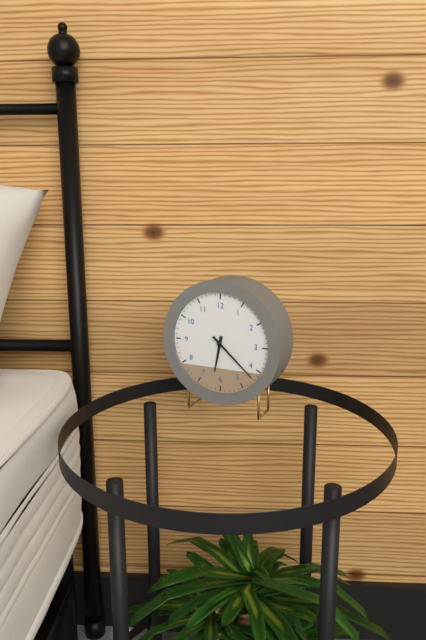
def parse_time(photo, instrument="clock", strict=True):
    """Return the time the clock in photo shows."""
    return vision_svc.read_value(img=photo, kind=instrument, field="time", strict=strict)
6:22
